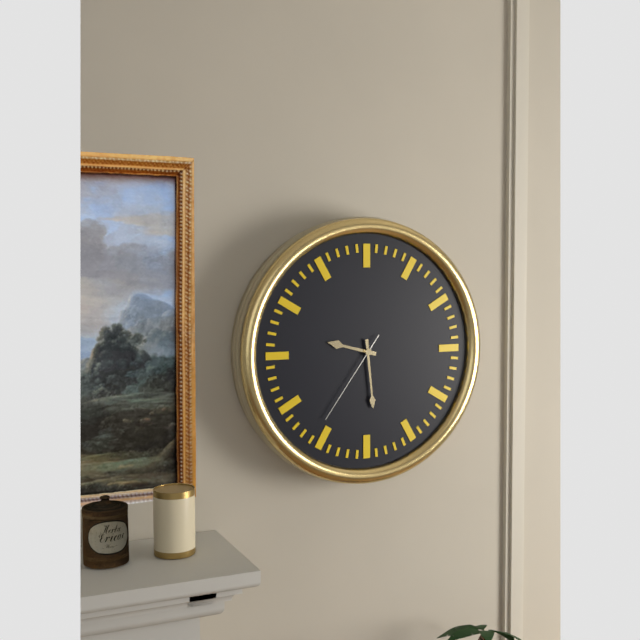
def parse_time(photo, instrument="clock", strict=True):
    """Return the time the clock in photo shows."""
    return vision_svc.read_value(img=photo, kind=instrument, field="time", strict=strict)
9:29:36
